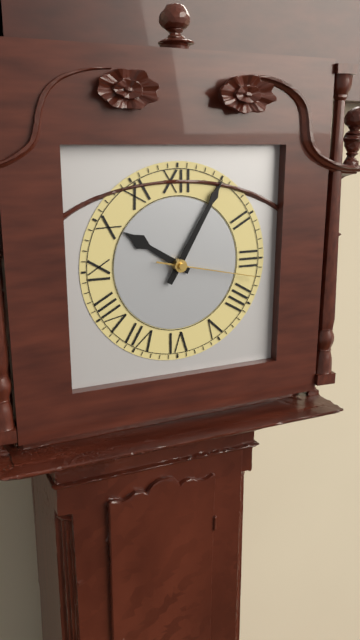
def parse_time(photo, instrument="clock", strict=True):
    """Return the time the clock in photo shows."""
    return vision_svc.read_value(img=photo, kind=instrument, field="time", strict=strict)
10:05:17
